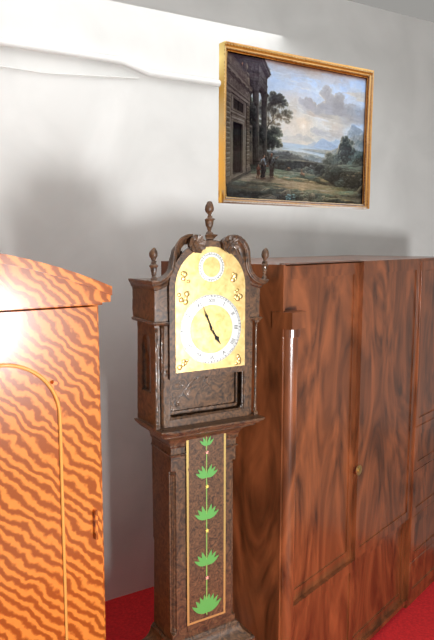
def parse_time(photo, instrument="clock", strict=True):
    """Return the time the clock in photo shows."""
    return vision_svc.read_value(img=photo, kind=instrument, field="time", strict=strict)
4:56
